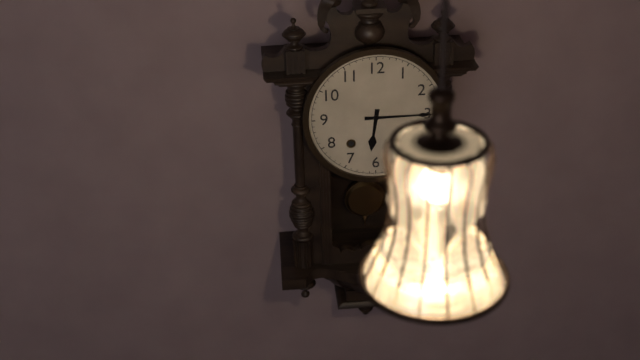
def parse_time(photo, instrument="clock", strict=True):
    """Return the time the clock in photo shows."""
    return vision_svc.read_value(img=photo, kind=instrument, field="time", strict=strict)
6:15
